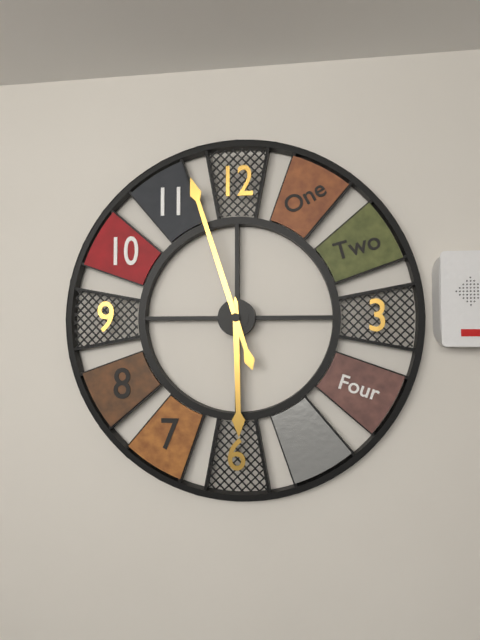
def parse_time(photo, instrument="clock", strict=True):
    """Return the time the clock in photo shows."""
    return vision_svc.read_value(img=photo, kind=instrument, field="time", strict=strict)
5:57
